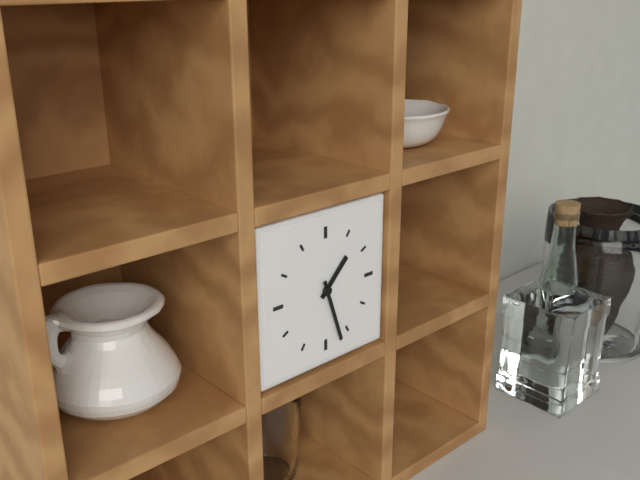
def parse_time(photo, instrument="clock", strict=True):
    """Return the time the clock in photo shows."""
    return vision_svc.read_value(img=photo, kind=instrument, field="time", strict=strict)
1:27
